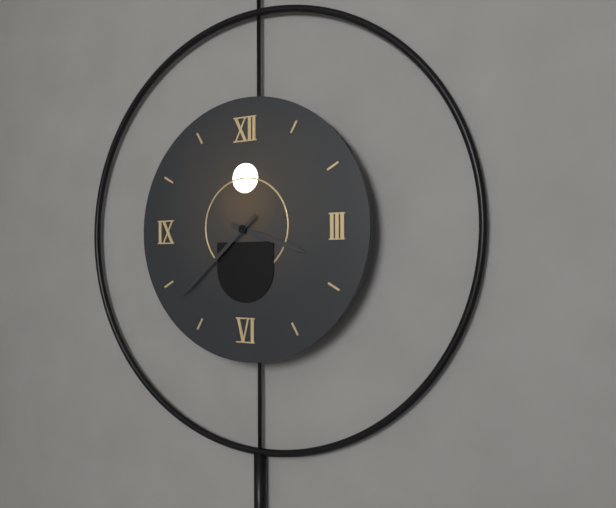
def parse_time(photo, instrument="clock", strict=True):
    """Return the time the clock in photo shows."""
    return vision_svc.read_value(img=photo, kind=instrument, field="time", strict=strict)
3:38
